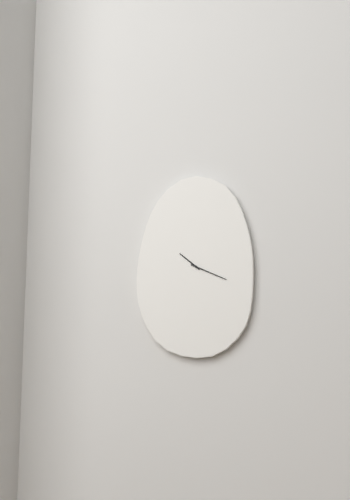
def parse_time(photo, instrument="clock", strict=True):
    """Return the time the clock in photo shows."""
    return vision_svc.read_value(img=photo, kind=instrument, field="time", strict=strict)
10:19
